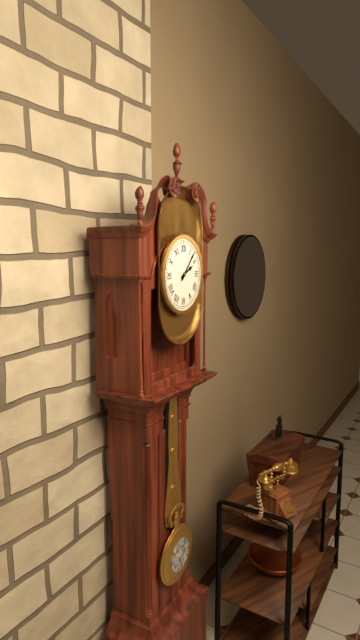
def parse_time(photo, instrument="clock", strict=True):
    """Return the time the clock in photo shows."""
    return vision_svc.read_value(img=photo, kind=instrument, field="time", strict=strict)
2:07
